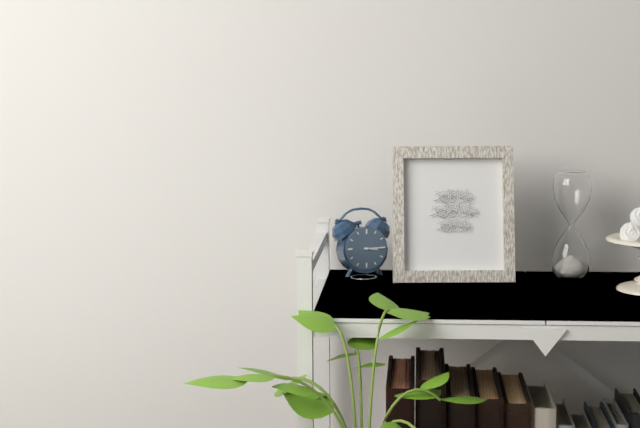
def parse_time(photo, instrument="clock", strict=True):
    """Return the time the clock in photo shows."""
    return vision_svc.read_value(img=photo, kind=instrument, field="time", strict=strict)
3:15
